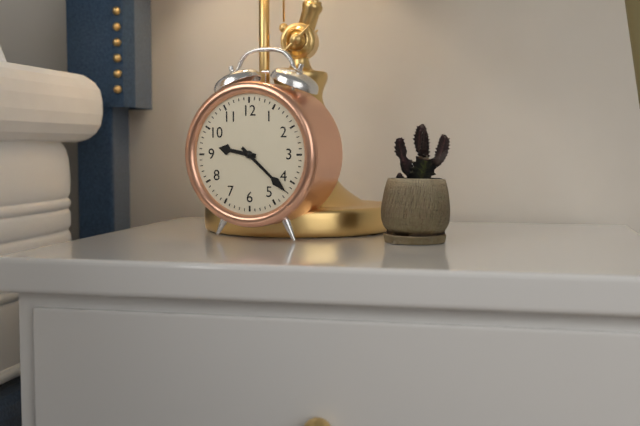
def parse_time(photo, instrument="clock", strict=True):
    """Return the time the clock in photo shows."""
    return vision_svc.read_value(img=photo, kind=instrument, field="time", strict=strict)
9:22
